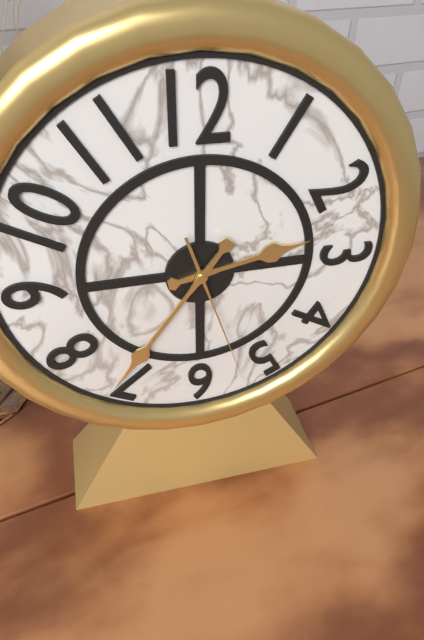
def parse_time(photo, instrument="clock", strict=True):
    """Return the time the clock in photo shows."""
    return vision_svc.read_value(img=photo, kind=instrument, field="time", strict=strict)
2:36:27
